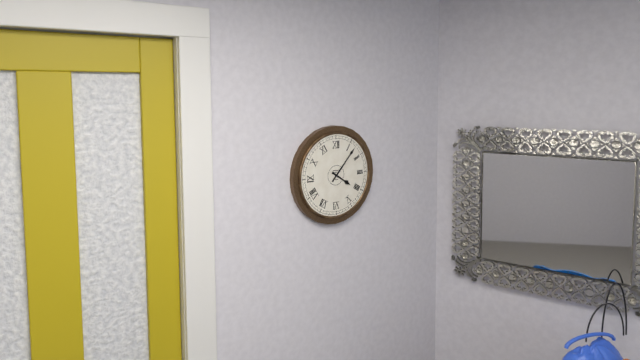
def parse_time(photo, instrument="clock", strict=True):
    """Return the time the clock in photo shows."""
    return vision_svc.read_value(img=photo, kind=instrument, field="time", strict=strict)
4:07
